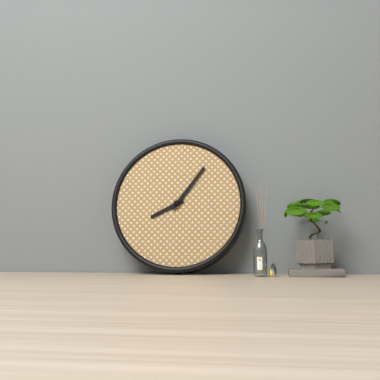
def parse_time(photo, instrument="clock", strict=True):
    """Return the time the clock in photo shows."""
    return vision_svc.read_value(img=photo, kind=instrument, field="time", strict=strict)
8:06
